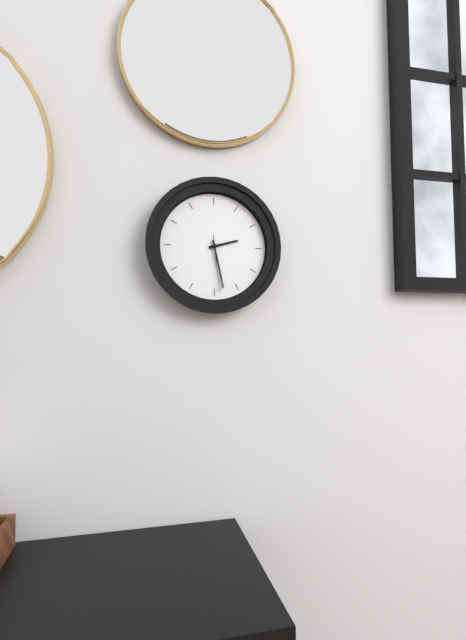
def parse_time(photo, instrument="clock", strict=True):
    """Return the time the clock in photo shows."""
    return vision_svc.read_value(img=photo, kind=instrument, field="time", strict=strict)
2:28:29
